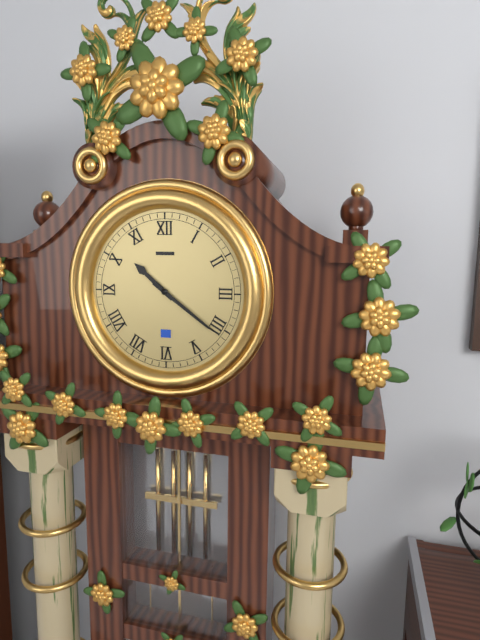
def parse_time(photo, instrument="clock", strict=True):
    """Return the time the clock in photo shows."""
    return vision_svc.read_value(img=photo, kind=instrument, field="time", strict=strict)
10:21
